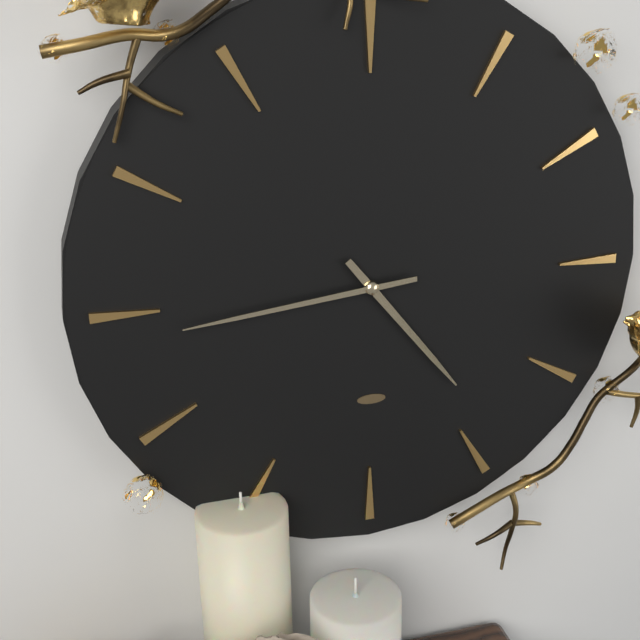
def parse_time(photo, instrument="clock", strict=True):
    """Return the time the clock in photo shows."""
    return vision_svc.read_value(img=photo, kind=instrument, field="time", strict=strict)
4:44
